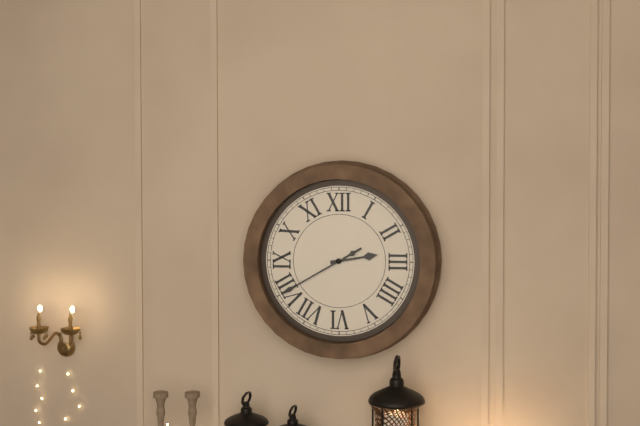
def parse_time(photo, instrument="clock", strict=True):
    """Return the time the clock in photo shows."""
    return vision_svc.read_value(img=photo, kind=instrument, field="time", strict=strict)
2:40
